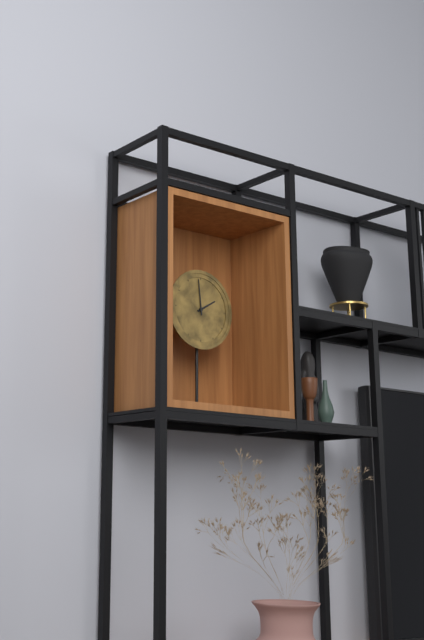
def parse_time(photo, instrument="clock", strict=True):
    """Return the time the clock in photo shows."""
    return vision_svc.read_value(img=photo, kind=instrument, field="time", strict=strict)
1:59
